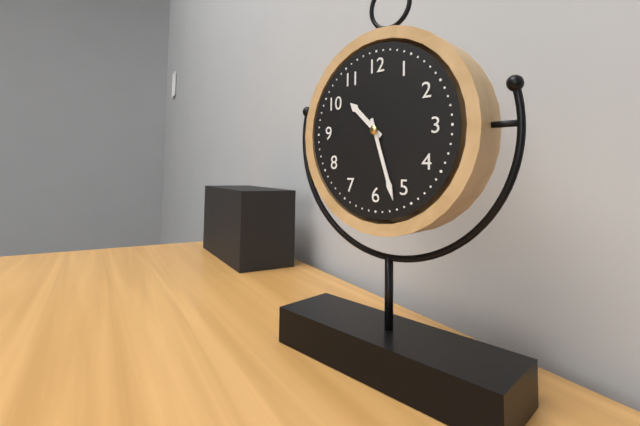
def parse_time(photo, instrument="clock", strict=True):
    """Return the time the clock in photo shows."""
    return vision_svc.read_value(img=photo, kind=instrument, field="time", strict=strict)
10:27
